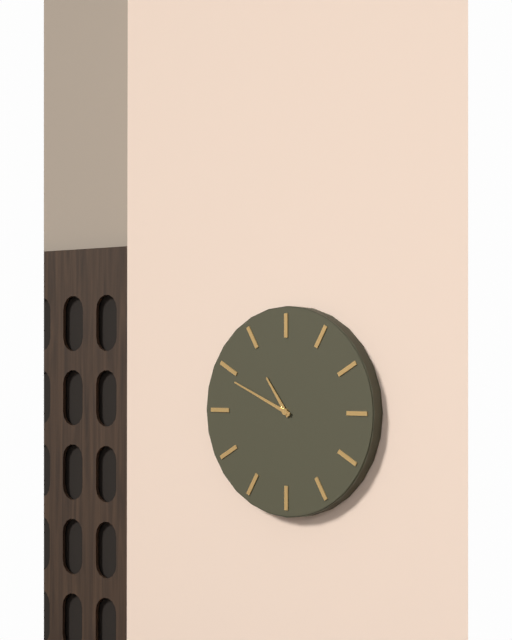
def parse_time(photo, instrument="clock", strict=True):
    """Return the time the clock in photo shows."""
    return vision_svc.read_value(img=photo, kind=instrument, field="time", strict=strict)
10:49
